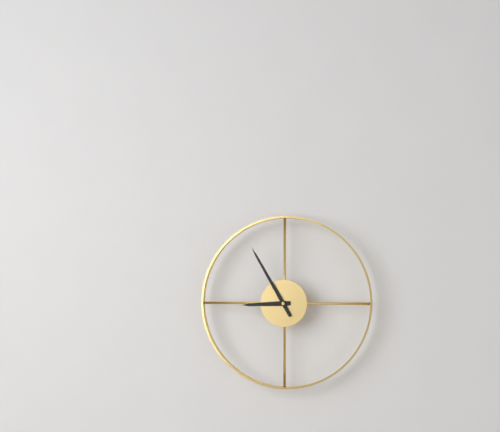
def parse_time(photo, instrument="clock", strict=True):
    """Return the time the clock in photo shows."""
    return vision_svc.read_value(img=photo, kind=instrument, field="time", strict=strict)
8:55
